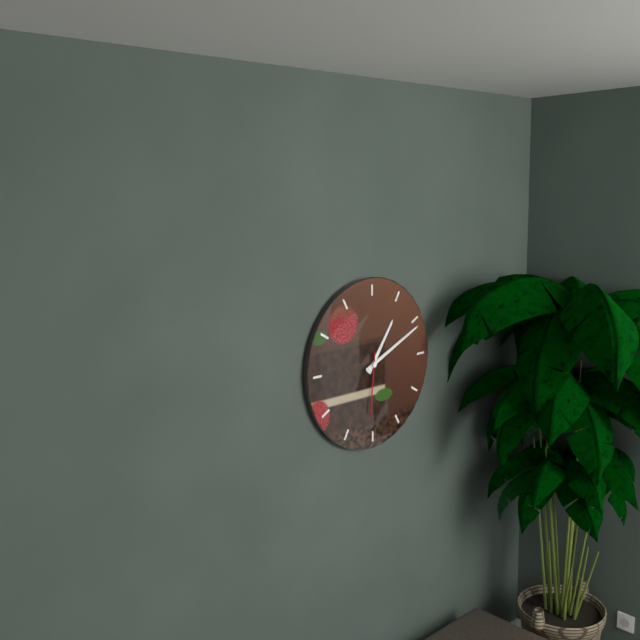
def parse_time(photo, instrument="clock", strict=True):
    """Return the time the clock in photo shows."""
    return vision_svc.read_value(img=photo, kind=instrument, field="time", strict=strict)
1:11:31
